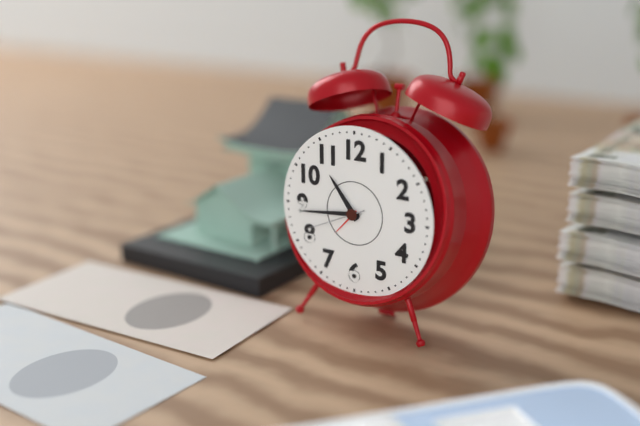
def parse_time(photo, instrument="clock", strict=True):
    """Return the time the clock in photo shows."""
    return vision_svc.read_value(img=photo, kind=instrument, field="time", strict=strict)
10:44:41
